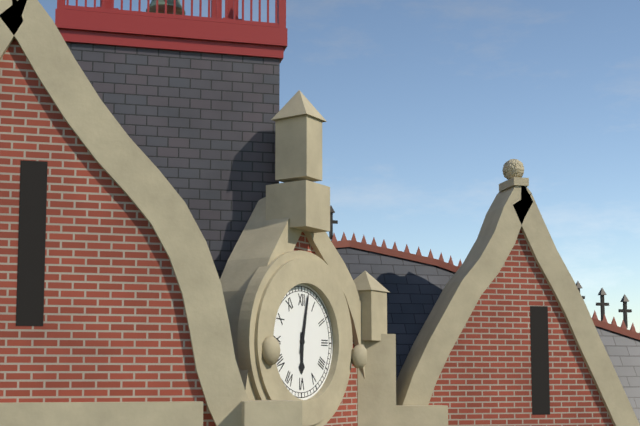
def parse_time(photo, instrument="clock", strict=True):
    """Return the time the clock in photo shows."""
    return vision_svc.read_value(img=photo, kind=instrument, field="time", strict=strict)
6:02
